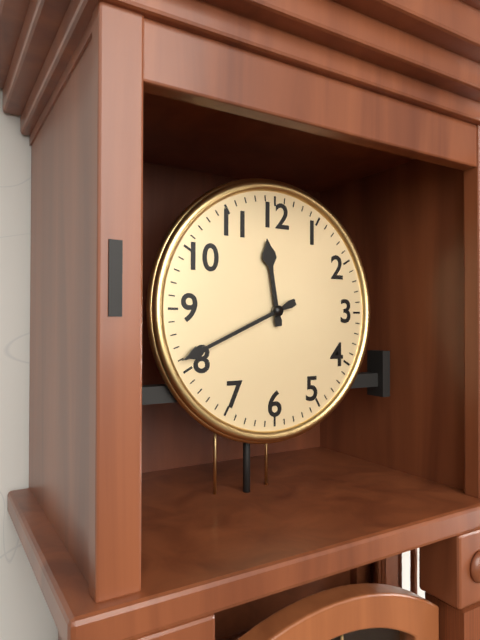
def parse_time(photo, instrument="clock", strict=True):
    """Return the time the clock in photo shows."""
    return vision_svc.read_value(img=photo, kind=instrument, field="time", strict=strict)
11:41
